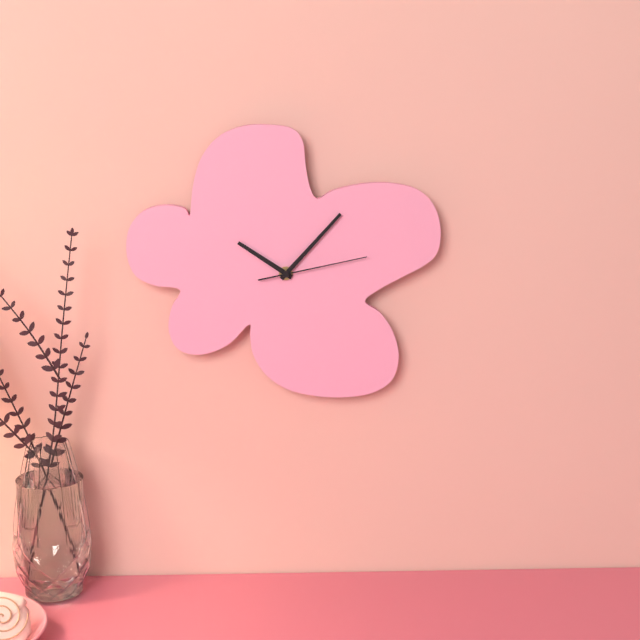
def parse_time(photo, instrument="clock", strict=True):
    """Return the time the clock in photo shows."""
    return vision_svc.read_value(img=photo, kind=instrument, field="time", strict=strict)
10:07:13
